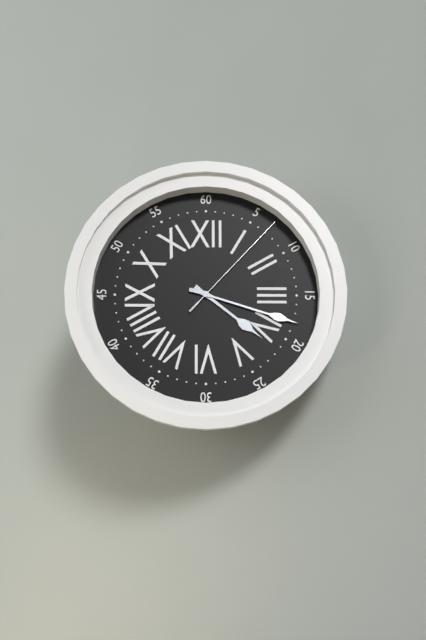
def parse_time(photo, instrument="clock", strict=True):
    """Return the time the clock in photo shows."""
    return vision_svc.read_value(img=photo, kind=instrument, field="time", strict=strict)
4:18:07
